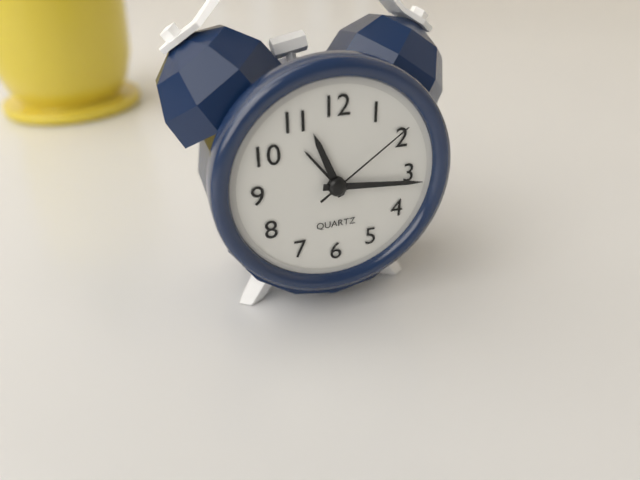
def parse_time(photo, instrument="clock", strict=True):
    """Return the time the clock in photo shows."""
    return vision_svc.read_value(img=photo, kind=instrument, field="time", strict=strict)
11:16:09
